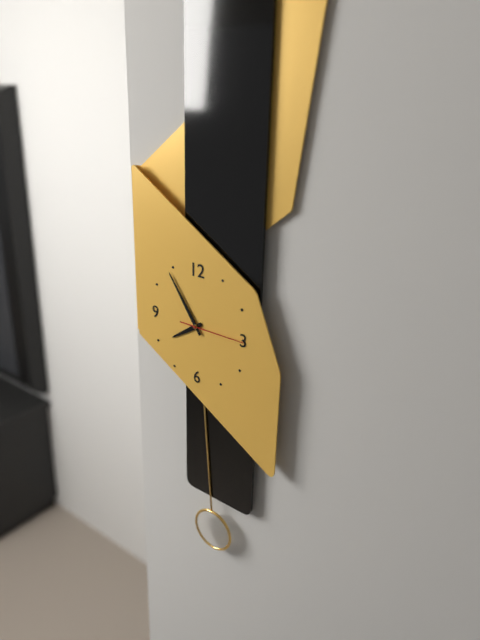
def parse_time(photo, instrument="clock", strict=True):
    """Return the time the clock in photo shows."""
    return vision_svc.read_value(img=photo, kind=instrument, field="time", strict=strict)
7:54:15
